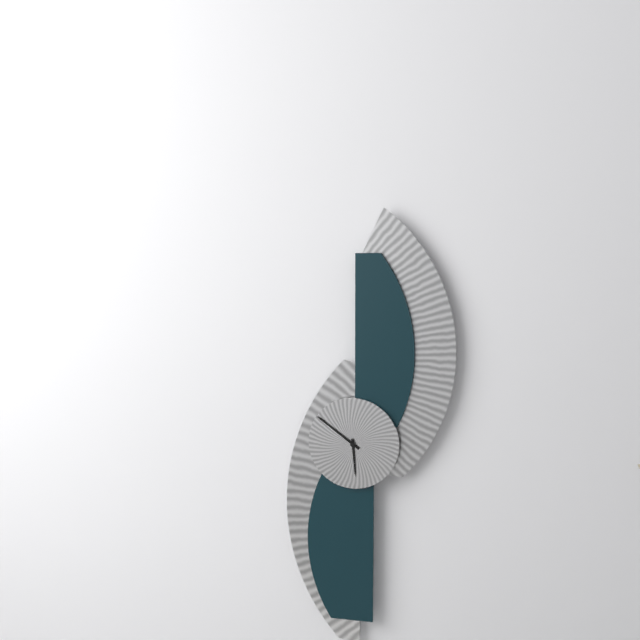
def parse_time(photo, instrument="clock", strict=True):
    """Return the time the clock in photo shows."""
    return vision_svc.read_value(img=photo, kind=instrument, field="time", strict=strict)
5:51
